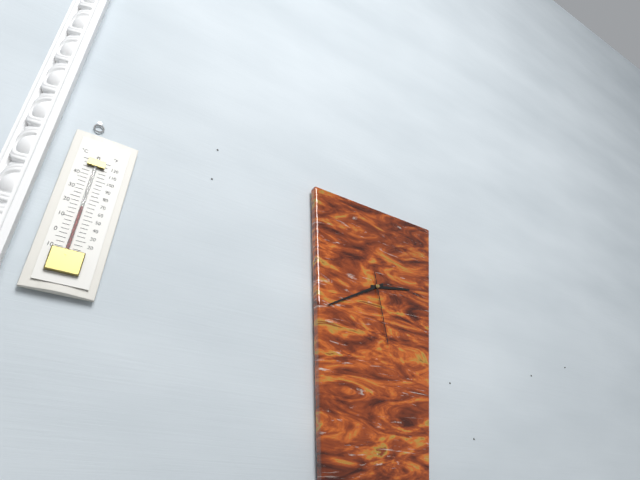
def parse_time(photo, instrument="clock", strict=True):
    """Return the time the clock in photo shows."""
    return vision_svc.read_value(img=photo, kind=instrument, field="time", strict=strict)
2:40:28
